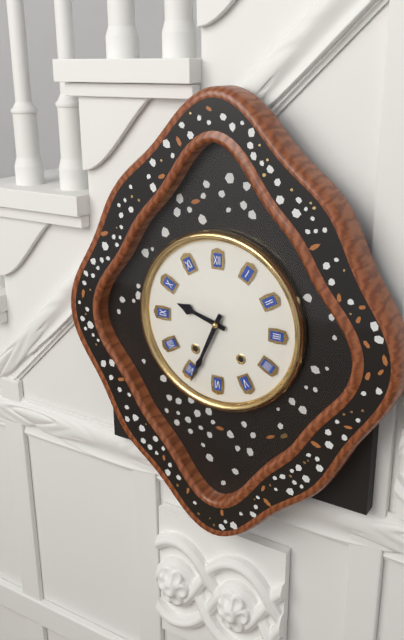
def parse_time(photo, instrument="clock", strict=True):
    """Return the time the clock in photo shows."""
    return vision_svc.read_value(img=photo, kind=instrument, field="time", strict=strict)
9:34
